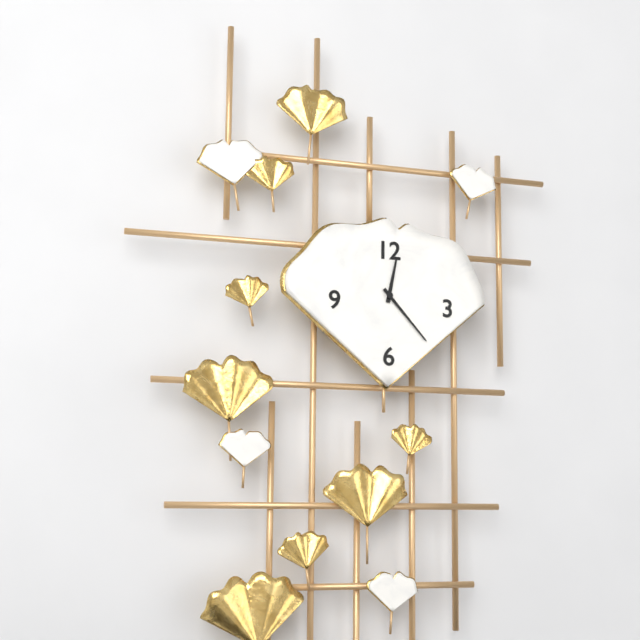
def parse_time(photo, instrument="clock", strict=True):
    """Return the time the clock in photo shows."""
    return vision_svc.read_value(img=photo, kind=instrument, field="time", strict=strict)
12:23
